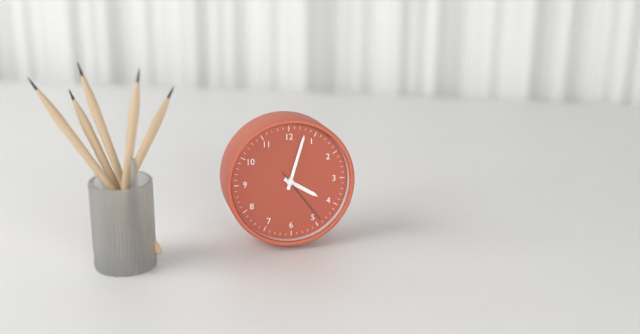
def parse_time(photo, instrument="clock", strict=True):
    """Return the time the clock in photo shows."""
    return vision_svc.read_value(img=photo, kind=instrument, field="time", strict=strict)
4:03:24
